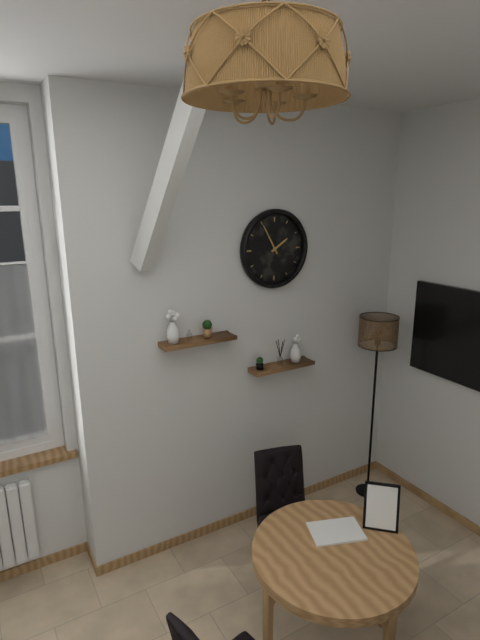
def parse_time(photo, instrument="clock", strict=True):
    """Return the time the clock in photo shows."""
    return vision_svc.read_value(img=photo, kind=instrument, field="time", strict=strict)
1:55
